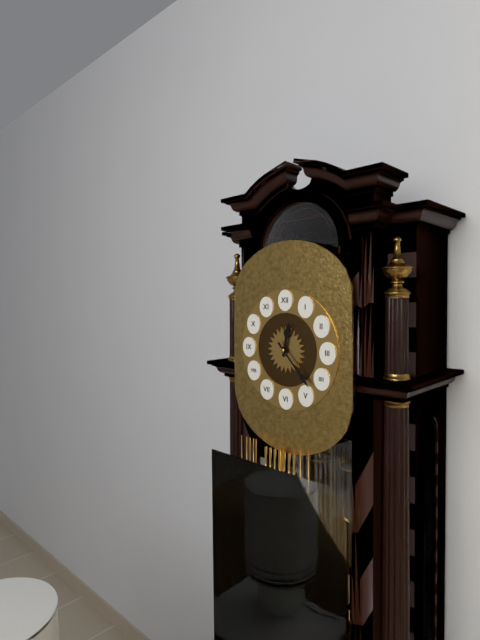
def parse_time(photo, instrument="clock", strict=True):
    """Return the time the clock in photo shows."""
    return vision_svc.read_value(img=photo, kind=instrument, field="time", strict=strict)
12:23
